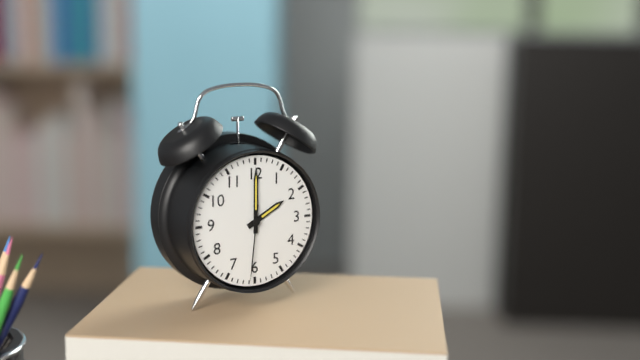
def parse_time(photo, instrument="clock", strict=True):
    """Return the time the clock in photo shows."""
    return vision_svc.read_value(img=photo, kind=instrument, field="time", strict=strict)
2:00:31
